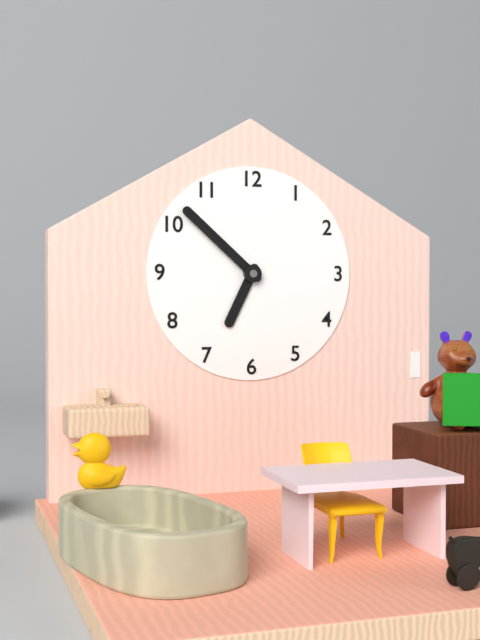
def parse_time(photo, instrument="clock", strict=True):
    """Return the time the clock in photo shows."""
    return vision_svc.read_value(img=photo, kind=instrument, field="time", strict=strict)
6:52
